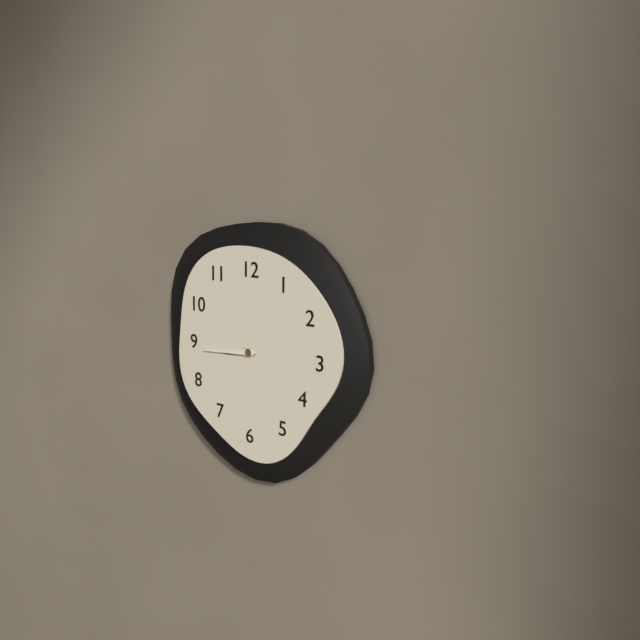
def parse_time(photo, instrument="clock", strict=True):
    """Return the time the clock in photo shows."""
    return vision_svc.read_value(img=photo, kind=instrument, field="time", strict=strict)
8:44
